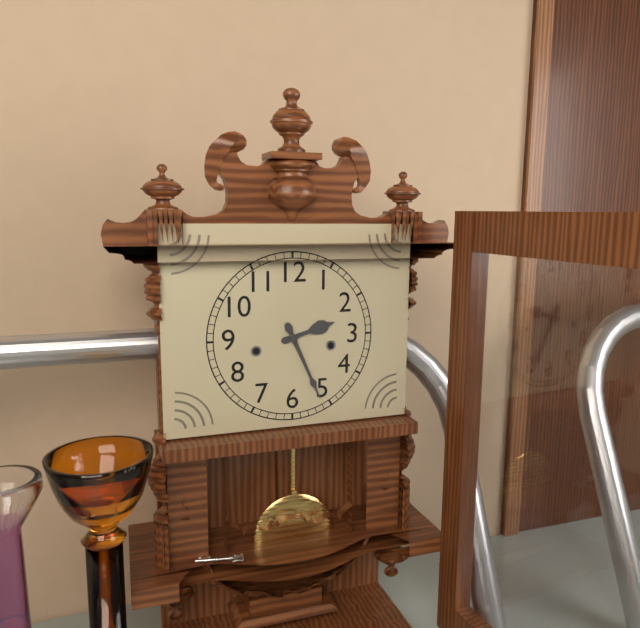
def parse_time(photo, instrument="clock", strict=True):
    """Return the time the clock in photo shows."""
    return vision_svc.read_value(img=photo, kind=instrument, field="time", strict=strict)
2:26
